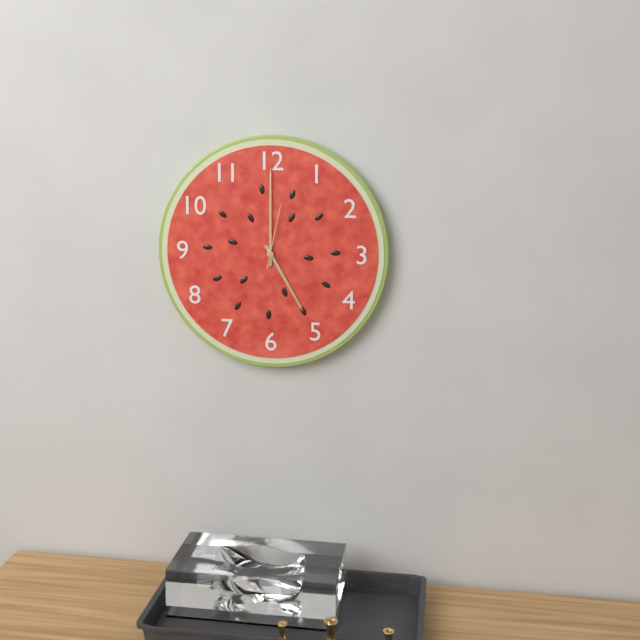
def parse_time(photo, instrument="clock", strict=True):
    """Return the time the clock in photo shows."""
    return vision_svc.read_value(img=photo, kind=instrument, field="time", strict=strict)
5:00:02
